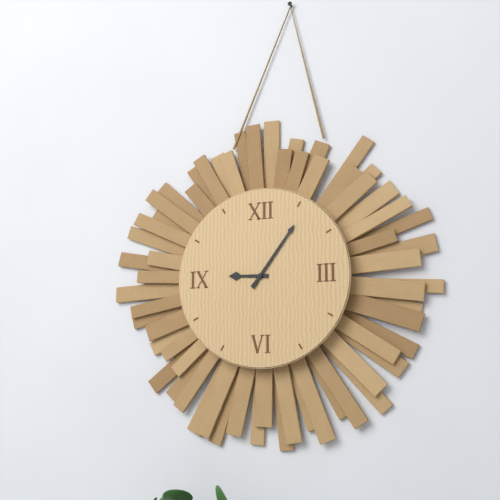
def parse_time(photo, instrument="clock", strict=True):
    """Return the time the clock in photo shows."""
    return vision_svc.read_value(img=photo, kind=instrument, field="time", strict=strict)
9:06
